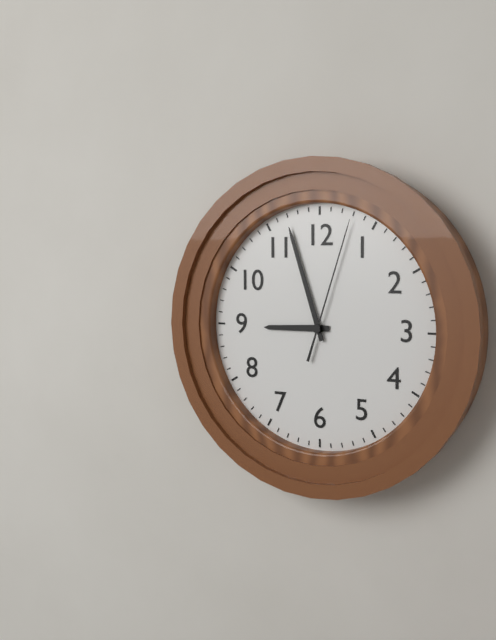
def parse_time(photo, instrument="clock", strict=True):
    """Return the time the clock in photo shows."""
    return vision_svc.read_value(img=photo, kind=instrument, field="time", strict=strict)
8:57:03
